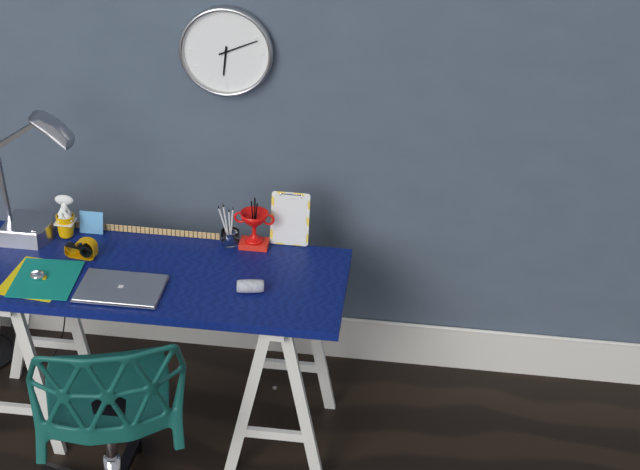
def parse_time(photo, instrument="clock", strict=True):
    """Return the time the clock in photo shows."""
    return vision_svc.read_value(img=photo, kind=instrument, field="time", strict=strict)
6:11
